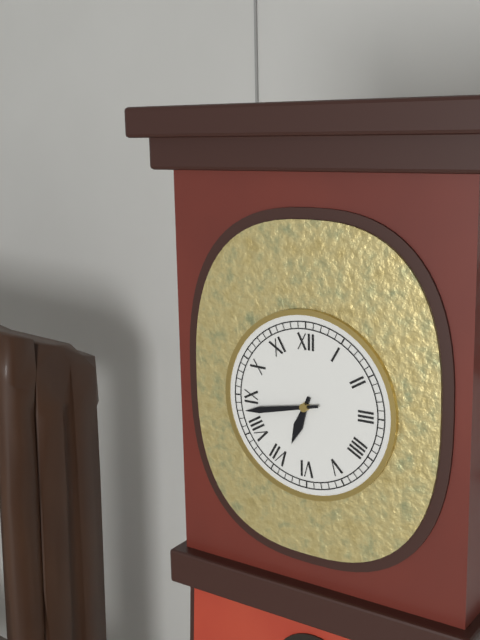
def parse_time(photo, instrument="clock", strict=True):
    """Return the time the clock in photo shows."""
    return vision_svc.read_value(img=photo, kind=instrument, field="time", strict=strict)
6:43
